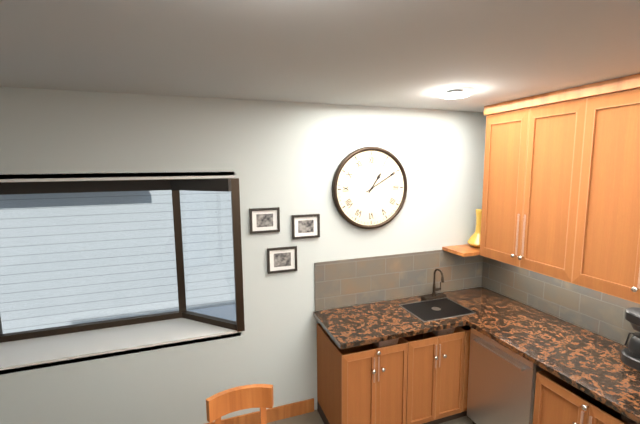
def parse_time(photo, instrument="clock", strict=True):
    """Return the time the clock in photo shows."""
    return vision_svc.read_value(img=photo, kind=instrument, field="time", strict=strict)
1:10
